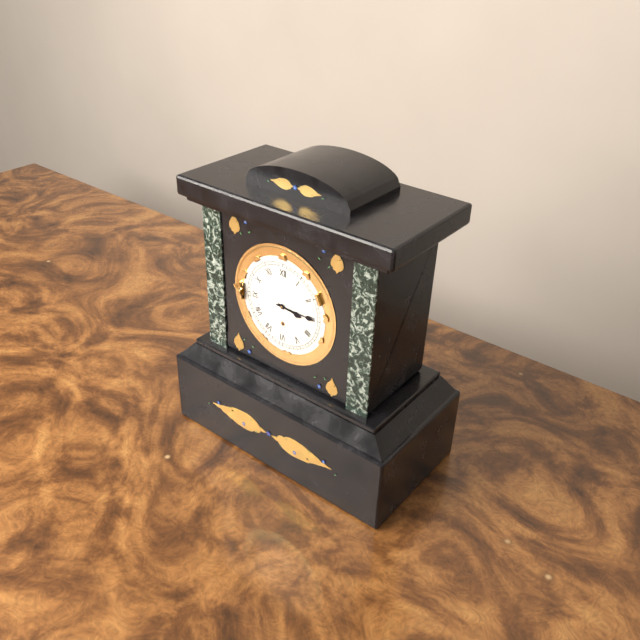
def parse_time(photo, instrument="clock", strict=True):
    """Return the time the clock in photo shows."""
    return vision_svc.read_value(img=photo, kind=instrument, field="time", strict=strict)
3:15
